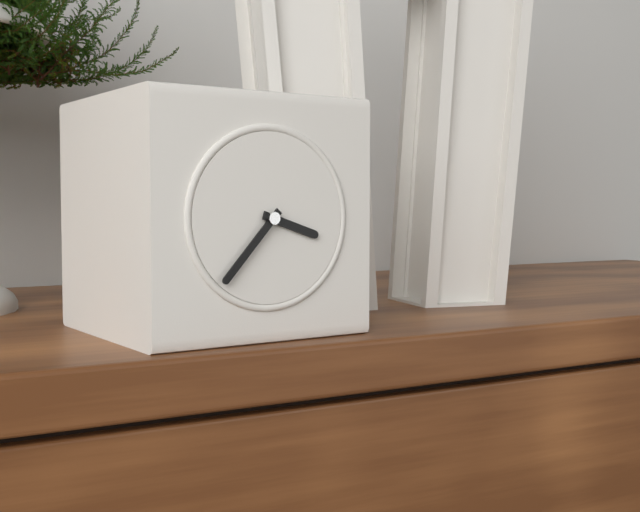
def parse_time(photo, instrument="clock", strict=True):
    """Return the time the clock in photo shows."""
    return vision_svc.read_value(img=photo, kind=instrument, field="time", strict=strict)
3:37
